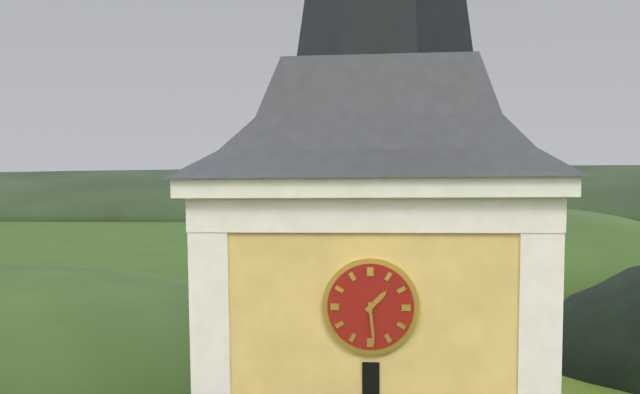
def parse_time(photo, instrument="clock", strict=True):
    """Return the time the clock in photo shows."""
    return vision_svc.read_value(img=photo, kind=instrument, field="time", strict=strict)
1:29
